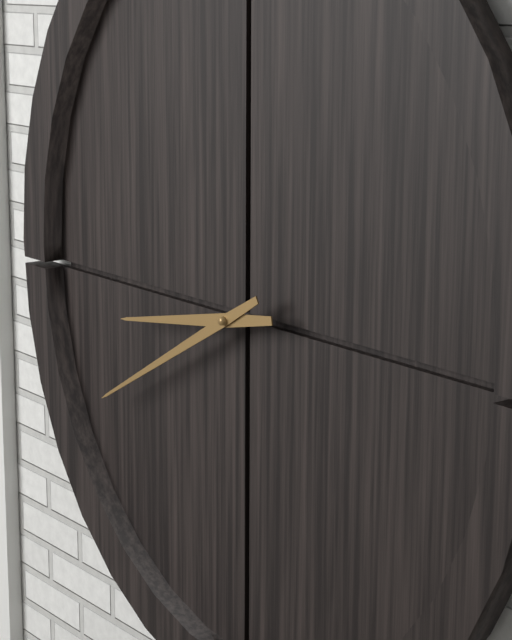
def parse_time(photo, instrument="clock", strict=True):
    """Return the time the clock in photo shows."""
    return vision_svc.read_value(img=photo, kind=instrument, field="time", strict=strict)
8:40
